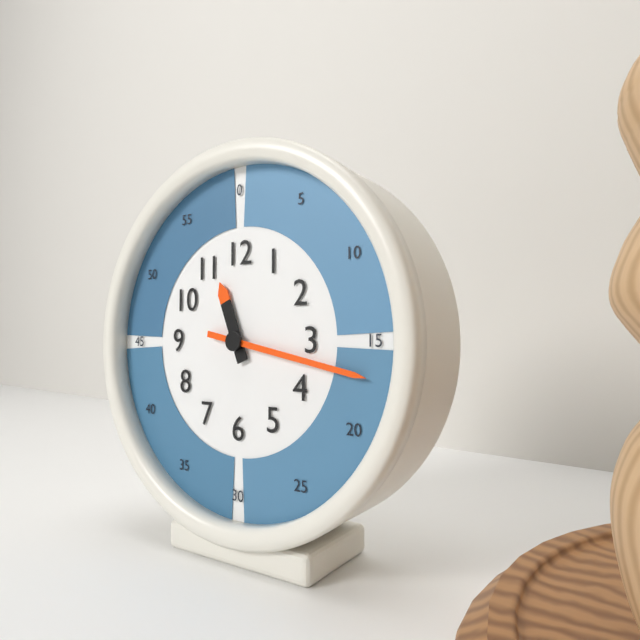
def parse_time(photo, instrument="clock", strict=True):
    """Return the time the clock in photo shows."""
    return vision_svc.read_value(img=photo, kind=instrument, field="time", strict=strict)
11:17
